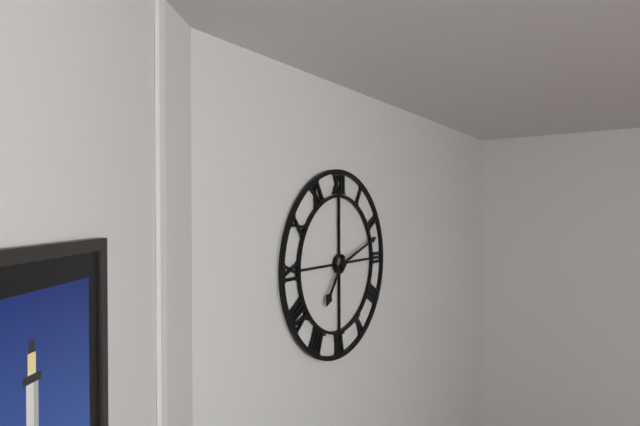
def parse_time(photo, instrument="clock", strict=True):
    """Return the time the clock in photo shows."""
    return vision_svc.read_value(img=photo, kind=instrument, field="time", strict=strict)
7:12
